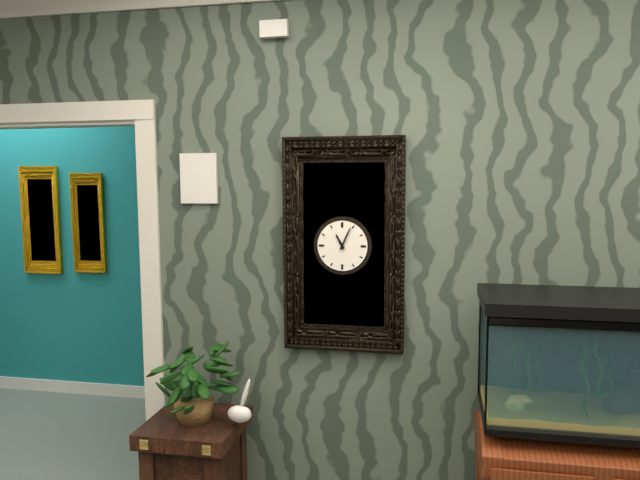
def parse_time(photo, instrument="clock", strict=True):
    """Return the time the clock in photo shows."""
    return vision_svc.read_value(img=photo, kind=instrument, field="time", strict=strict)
11:04
